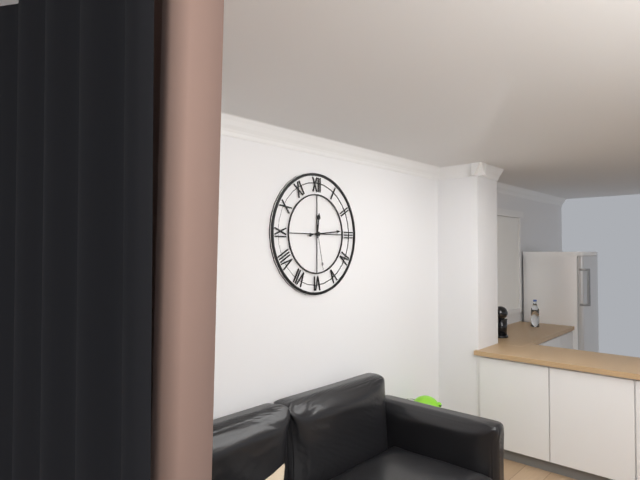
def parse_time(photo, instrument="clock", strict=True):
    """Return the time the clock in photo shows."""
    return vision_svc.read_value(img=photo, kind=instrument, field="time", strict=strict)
12:14
